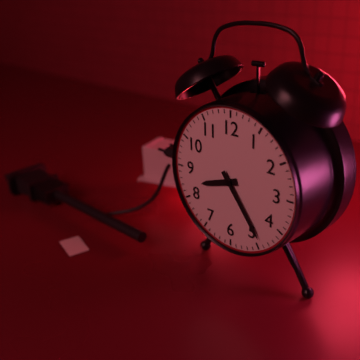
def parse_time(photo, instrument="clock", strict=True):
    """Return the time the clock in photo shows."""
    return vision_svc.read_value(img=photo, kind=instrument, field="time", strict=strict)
8:24
